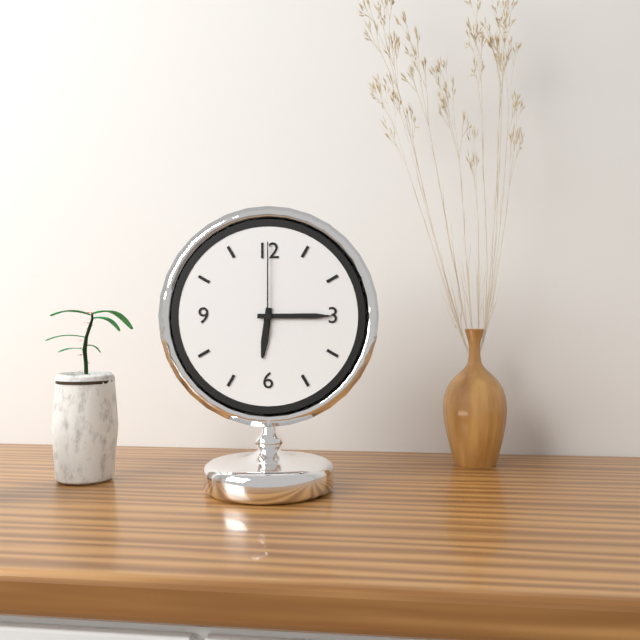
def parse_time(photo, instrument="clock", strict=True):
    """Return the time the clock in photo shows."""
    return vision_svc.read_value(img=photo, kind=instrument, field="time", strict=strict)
6:15:00
